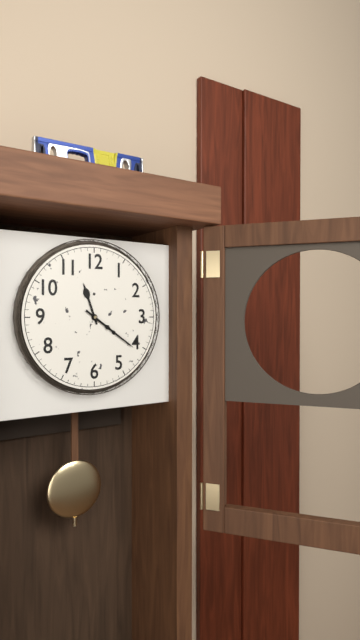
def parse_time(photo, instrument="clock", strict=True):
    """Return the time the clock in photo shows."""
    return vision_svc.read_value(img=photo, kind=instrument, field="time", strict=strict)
11:21
